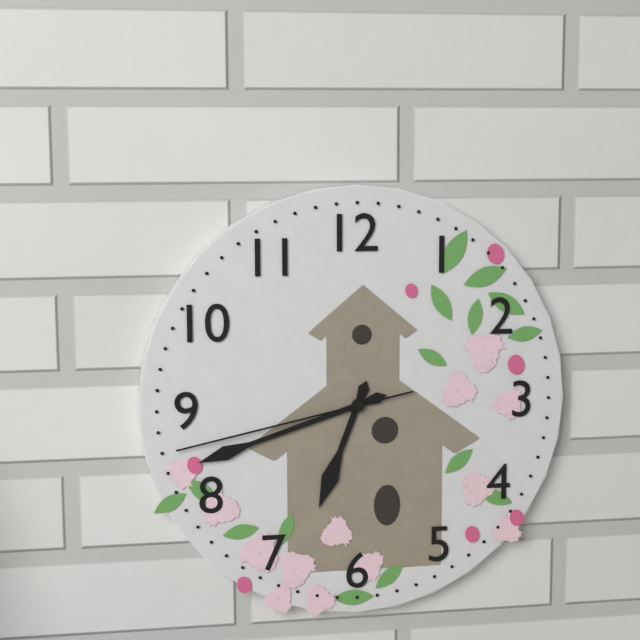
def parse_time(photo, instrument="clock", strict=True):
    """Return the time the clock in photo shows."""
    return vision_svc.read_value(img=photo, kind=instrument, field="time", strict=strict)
6:42:43
